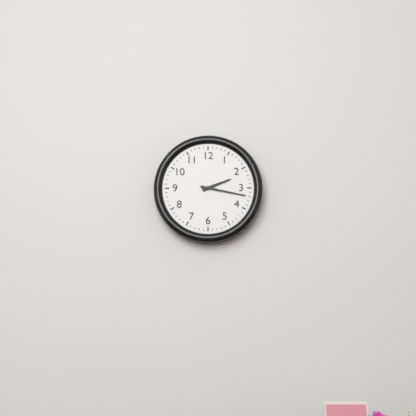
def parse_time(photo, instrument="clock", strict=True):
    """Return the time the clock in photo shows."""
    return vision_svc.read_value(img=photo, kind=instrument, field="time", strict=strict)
2:17
